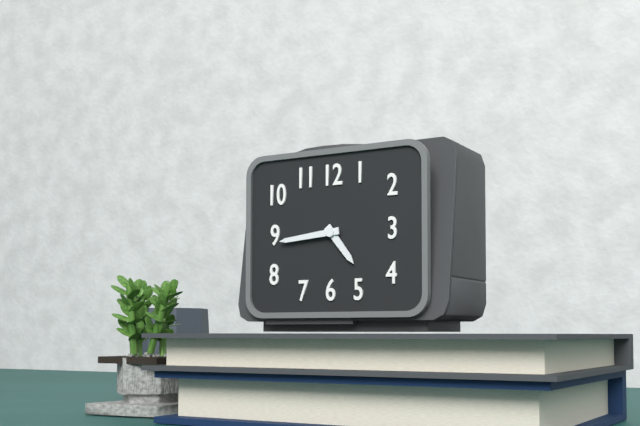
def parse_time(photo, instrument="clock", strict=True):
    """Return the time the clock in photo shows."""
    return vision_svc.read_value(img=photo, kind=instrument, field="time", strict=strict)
4:44
